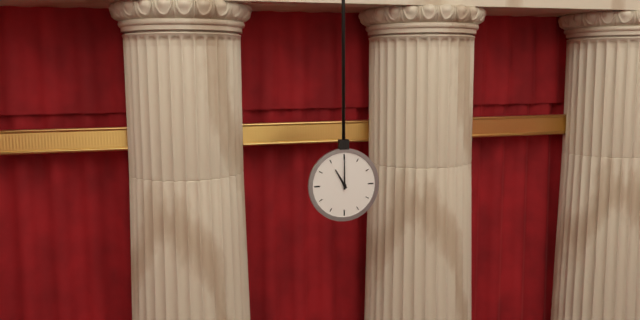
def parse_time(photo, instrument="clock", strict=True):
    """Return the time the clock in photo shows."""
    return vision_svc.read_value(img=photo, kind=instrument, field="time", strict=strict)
11:00
